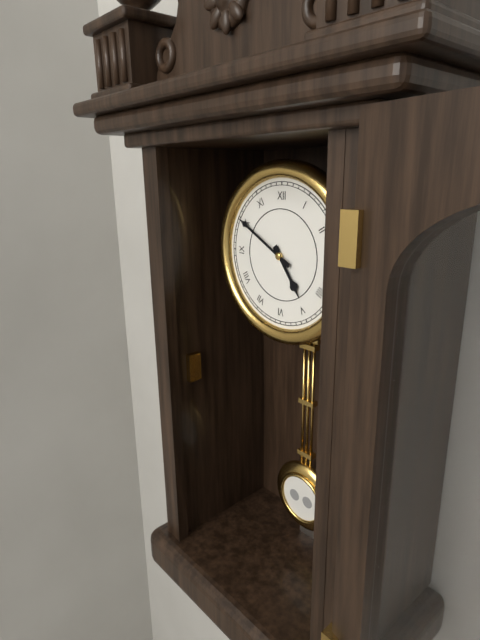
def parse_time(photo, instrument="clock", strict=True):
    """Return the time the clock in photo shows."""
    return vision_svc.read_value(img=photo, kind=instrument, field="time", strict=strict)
4:50
